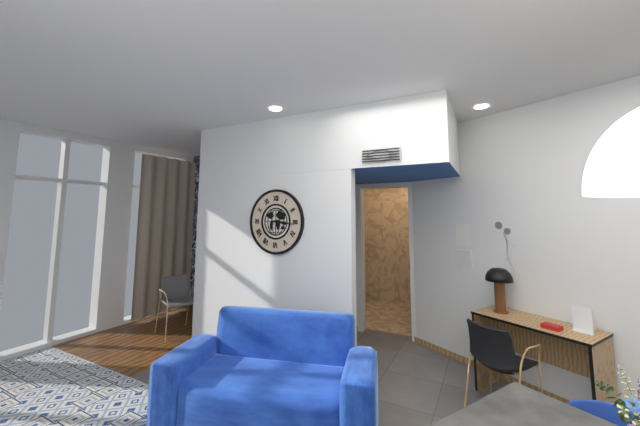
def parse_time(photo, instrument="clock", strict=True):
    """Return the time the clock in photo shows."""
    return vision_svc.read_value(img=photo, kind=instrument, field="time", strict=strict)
3:16
